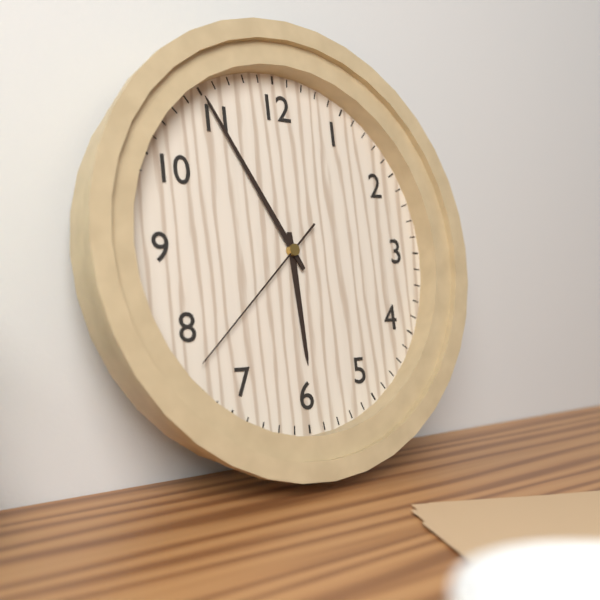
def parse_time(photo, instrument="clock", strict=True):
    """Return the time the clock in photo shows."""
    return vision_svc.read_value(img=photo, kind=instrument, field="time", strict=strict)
5:55:38
